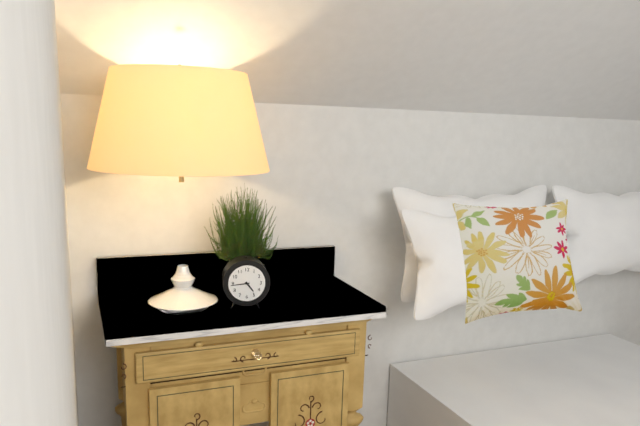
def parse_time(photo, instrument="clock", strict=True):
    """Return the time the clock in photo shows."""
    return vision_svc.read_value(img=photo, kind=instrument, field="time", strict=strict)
4:44
